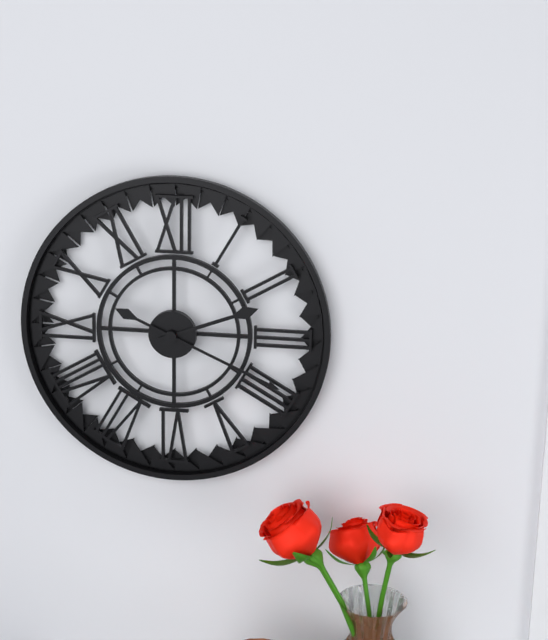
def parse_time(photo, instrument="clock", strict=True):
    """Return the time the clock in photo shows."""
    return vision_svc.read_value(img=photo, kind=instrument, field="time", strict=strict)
2:19
